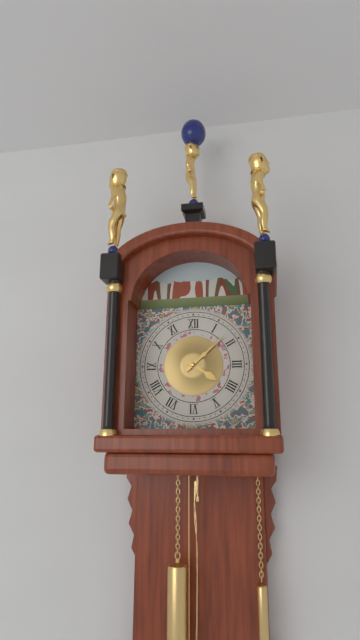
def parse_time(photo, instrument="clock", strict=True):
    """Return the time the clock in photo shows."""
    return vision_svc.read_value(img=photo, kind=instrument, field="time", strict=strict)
4:08
